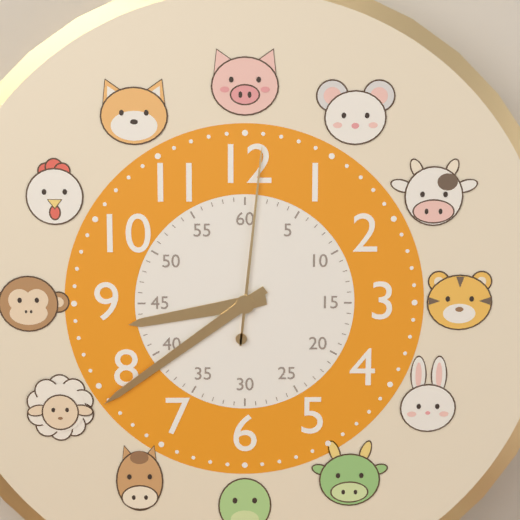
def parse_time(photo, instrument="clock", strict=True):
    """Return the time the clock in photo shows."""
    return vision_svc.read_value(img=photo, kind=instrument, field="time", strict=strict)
8:39:01
